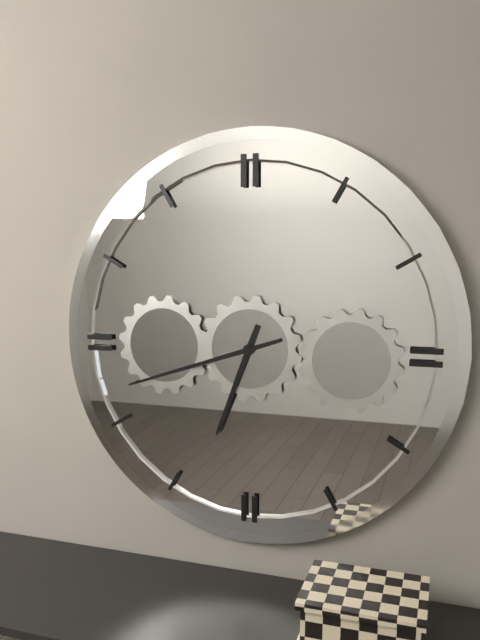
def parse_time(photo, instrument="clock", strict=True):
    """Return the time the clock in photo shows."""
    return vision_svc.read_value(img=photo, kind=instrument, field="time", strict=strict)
6:42
